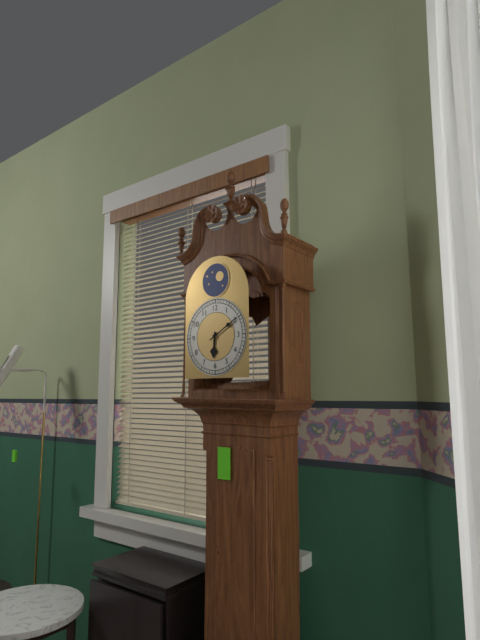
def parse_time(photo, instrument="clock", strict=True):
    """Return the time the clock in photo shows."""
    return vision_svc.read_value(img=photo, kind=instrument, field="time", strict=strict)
6:10
